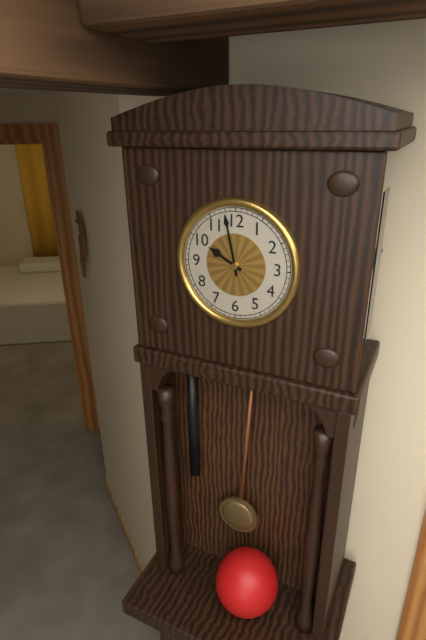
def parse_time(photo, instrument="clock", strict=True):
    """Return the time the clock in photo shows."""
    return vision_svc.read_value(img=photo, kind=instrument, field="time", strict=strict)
9:58
